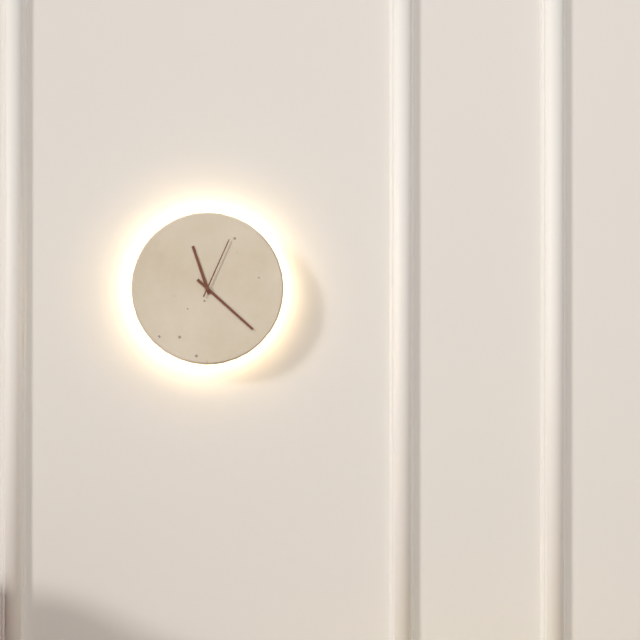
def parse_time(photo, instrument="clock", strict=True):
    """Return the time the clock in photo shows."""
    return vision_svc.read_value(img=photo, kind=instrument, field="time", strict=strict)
11:22:04
